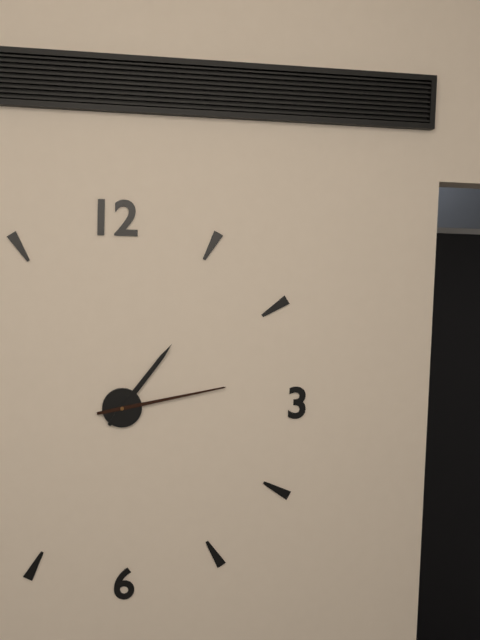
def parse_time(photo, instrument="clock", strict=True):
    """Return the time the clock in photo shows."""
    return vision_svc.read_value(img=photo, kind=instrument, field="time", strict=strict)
1:13
